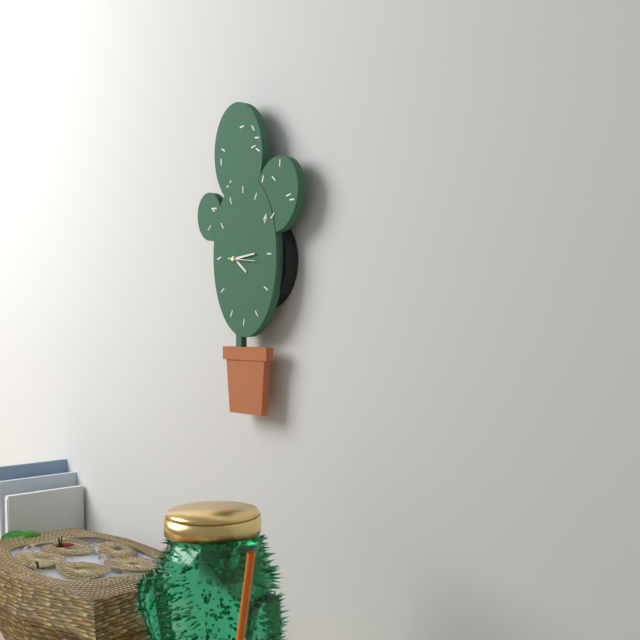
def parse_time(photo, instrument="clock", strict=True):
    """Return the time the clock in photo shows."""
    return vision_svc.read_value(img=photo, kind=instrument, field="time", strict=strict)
4:14
